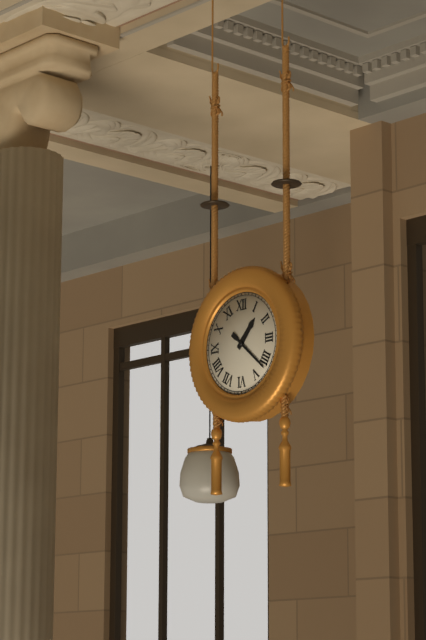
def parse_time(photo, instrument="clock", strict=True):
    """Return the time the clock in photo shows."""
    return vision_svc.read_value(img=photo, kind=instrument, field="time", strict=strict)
1:22
